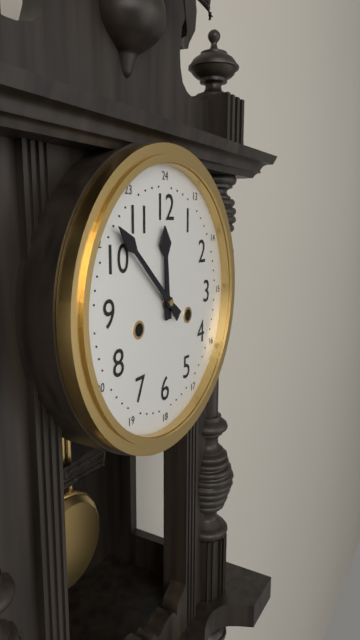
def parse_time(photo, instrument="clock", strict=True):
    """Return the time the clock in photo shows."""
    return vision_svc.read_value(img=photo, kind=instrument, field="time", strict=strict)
11:52
